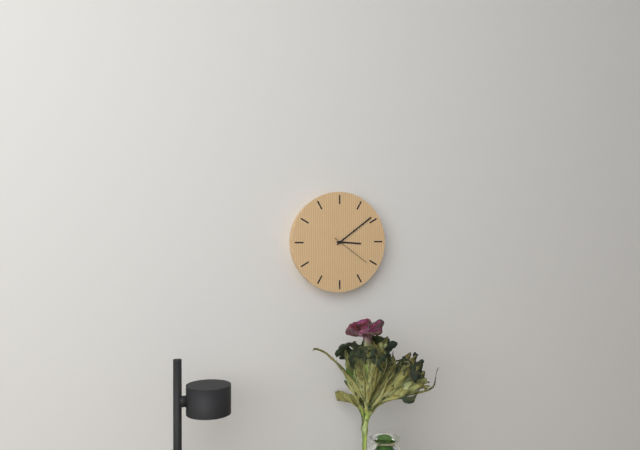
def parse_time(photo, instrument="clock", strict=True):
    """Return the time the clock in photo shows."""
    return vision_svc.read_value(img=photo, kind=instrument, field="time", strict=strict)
3:09
